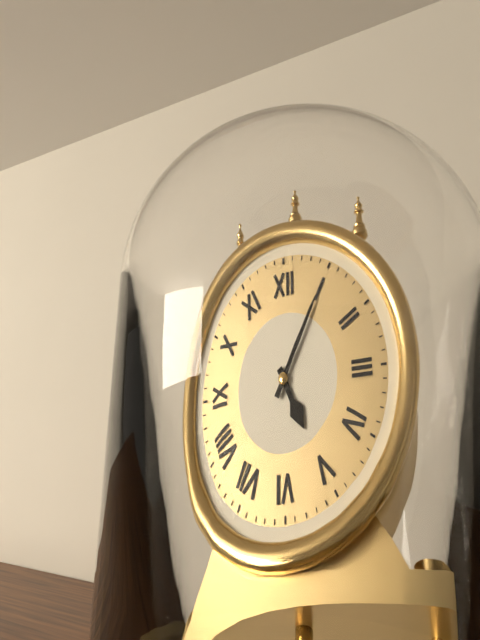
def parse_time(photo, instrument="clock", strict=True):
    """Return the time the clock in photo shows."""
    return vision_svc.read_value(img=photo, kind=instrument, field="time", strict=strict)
5:05
